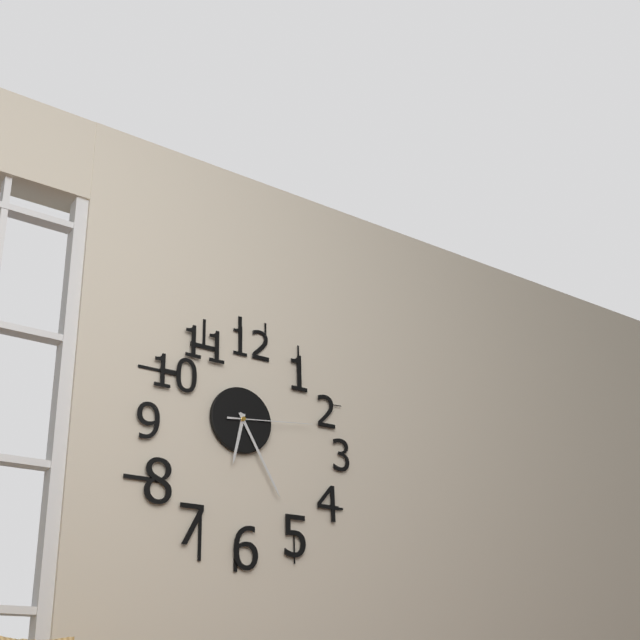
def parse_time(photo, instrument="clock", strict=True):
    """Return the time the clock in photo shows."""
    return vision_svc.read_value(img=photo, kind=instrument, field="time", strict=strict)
6:25:14
